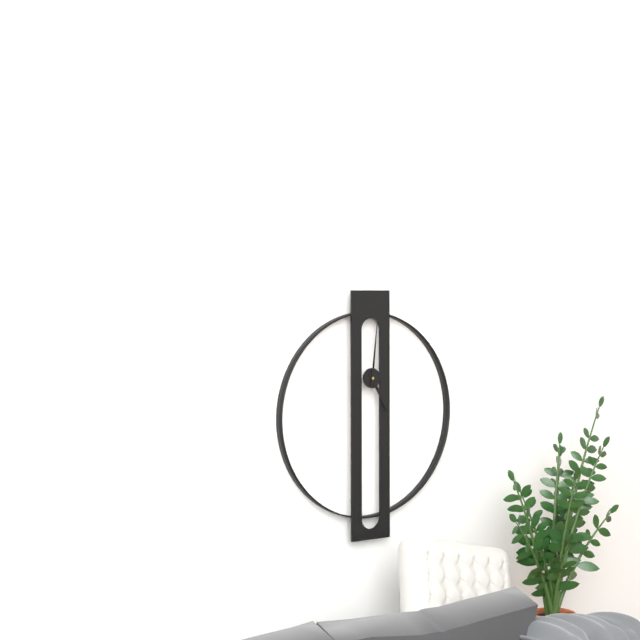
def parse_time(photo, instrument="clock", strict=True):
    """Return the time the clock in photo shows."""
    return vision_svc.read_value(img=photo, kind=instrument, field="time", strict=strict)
5:01
